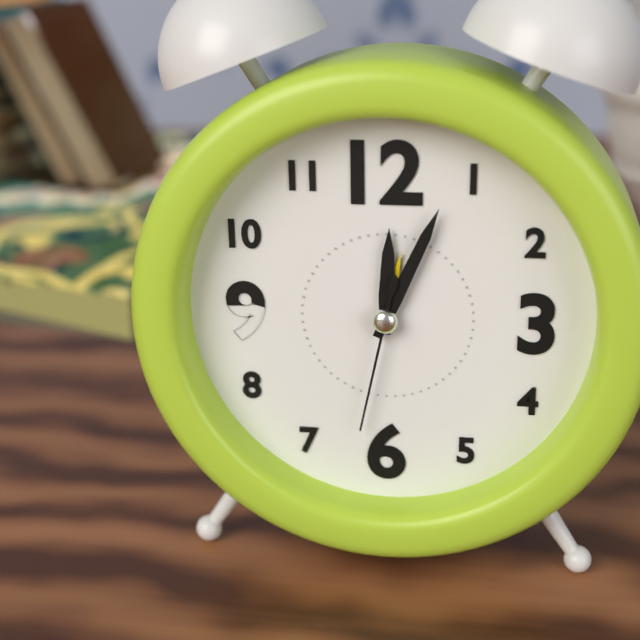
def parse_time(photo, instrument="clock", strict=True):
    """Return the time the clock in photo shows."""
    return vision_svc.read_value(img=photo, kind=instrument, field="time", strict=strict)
12:04:32
